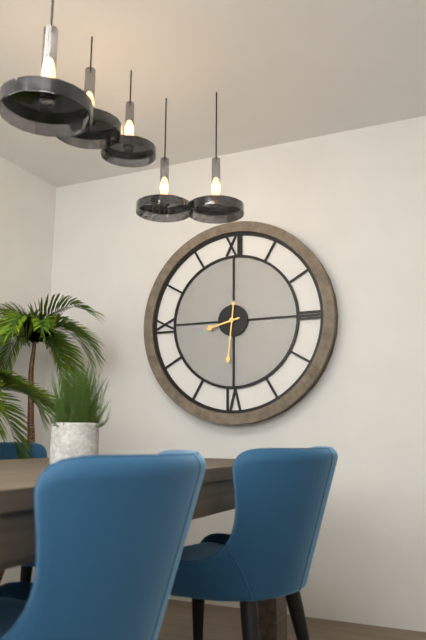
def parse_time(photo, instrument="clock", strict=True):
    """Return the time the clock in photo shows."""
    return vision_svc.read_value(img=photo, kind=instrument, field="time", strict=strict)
8:31
